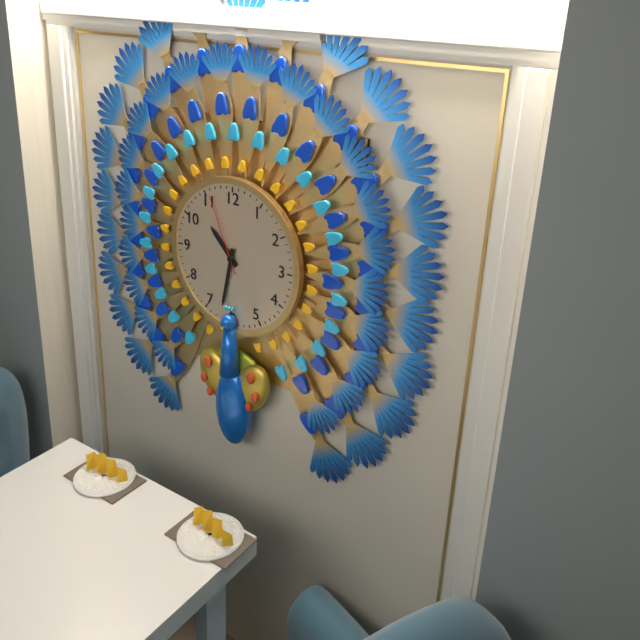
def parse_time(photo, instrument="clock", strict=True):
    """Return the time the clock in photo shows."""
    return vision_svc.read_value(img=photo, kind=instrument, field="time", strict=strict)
10:32:56
